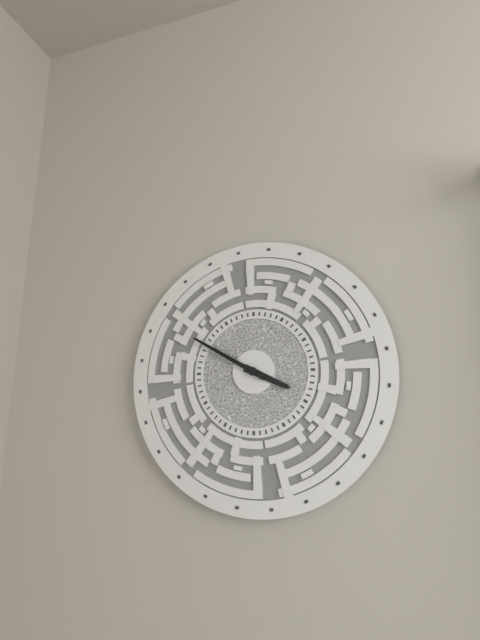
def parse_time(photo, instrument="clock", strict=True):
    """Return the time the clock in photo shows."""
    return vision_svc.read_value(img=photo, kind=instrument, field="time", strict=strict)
3:50
